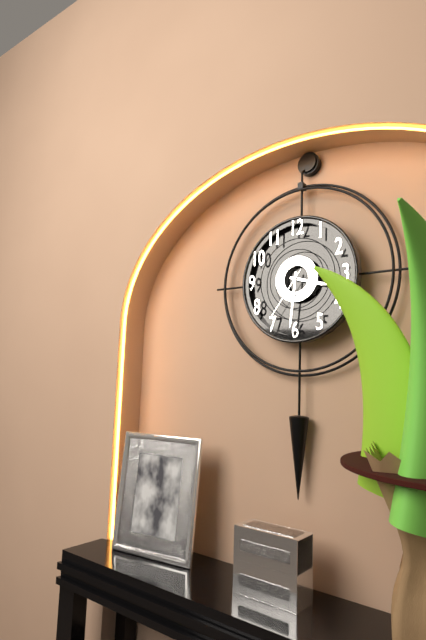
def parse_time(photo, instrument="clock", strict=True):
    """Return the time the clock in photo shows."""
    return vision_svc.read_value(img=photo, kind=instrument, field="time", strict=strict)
3:31:36
